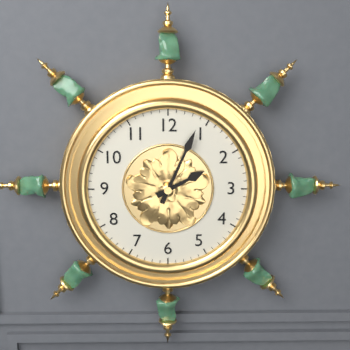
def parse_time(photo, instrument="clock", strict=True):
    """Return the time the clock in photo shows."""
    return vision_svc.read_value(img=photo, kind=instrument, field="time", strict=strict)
2:04
